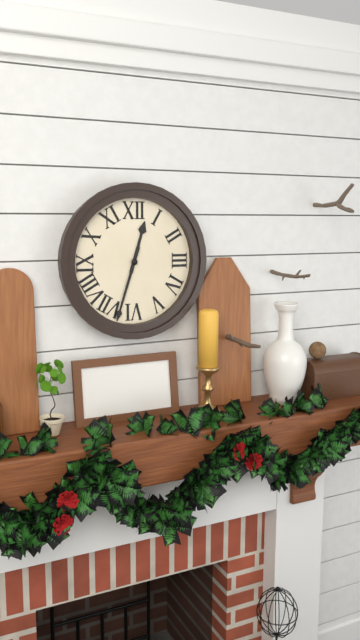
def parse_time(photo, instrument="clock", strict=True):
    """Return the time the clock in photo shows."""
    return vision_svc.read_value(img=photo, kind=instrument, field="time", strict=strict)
12:33
